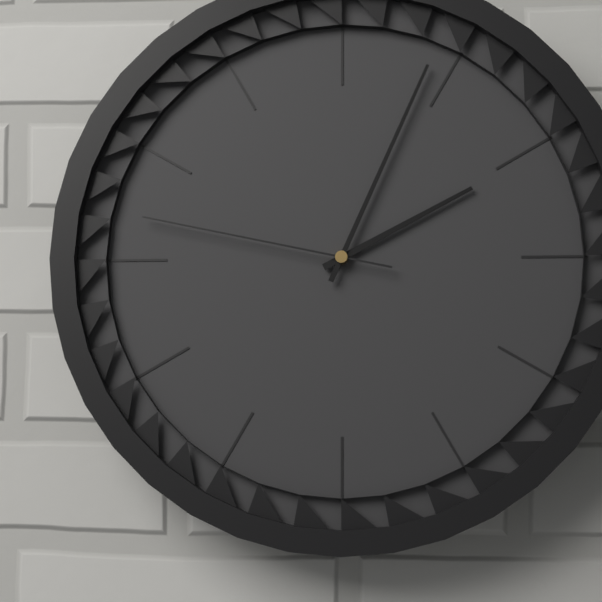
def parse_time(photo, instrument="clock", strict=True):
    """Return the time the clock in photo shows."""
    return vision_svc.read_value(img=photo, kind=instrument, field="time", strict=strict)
2:04:47
